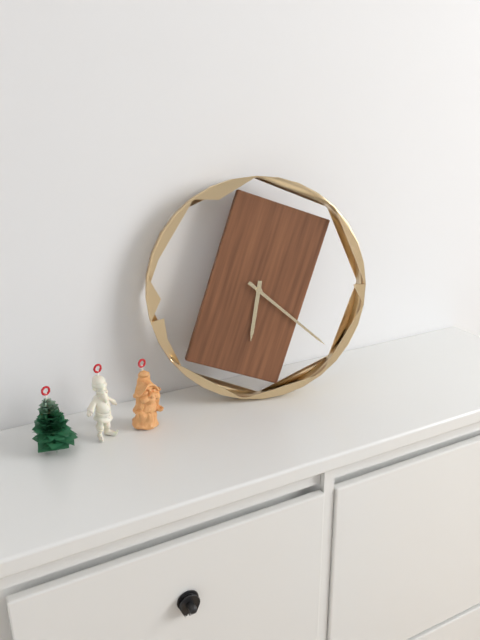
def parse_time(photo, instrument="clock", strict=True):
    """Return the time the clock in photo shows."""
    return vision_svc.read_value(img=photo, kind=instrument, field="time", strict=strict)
6:22
